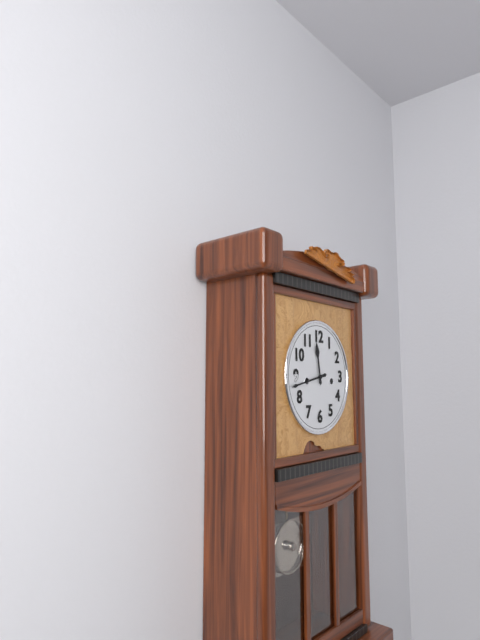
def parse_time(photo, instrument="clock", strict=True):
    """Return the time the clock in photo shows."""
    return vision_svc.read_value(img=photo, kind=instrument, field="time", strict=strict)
11:43
